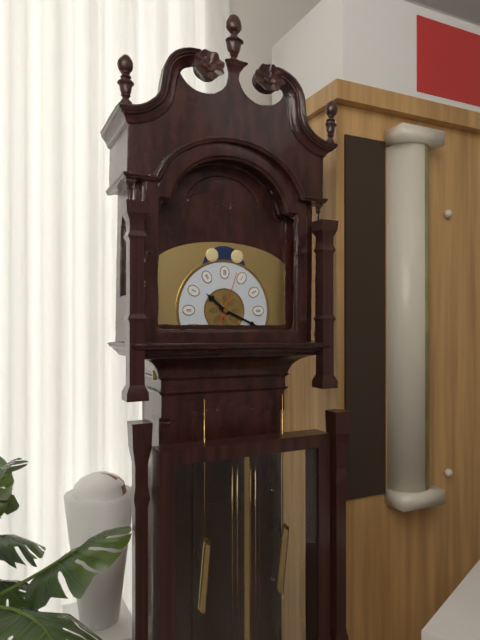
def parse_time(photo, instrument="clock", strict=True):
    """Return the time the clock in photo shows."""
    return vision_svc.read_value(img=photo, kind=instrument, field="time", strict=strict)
10:19:03
